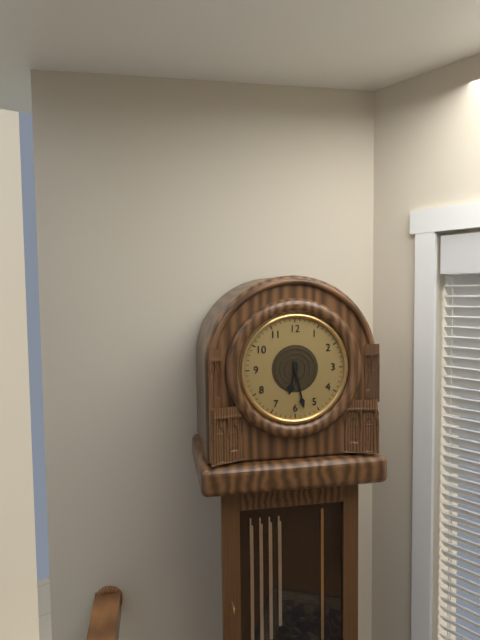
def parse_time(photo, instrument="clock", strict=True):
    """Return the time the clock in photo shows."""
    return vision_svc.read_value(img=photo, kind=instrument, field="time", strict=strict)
6:28
